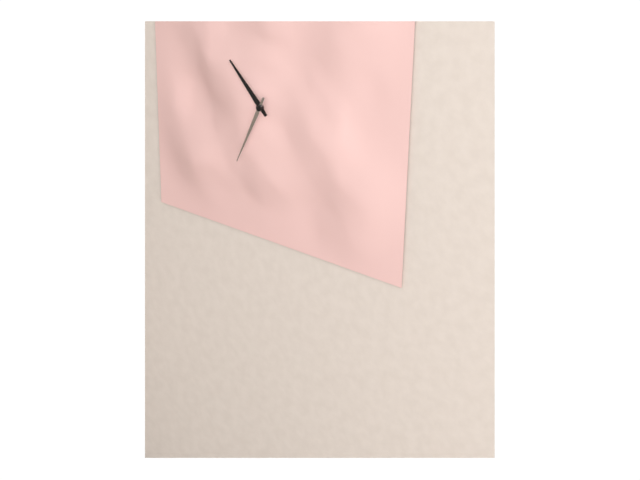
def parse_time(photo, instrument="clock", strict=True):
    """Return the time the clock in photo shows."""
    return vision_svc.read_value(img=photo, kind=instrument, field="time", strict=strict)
10:34
